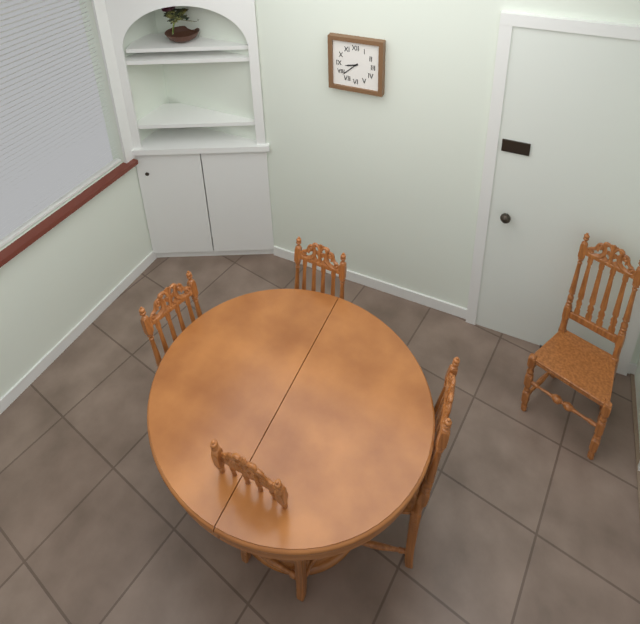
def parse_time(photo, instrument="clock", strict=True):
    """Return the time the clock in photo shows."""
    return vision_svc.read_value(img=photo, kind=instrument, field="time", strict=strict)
8:38
